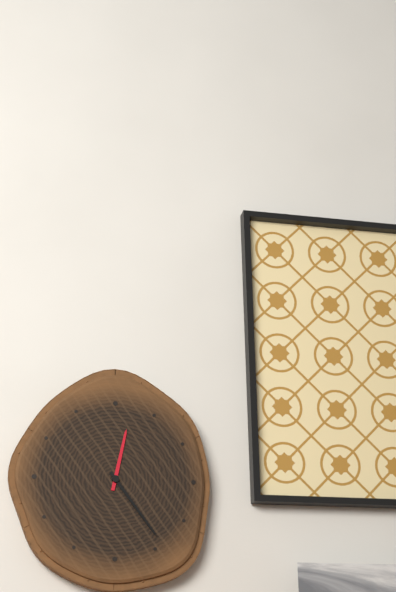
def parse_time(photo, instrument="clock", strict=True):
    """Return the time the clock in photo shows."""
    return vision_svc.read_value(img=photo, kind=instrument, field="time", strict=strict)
12:24
